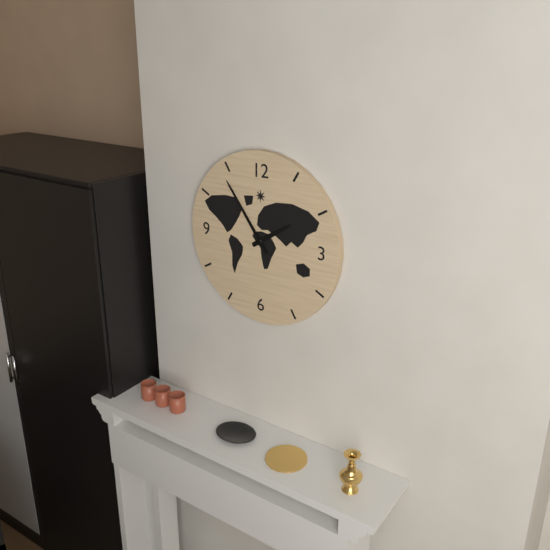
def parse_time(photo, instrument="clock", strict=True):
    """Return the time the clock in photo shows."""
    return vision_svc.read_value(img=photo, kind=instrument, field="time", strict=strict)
1:54
